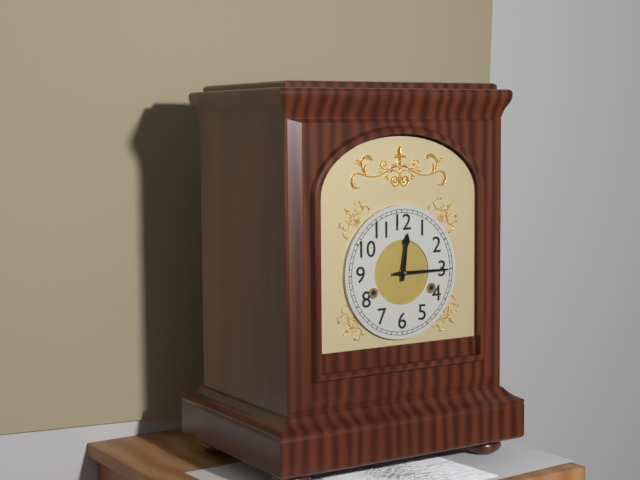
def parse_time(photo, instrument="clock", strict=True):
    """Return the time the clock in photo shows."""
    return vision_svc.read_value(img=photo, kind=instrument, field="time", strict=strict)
12:15
